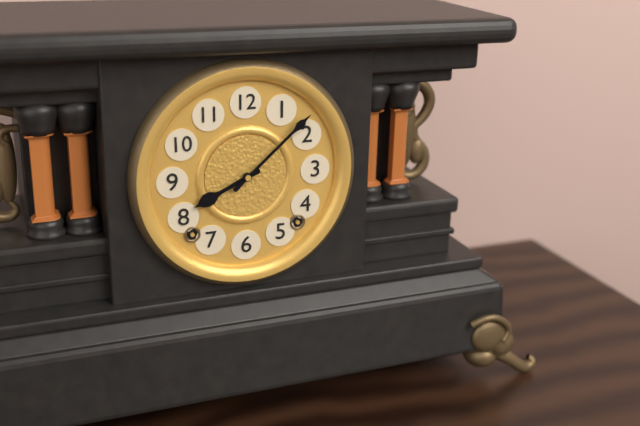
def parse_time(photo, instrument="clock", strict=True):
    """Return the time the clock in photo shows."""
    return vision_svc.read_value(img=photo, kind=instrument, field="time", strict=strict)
8:08
